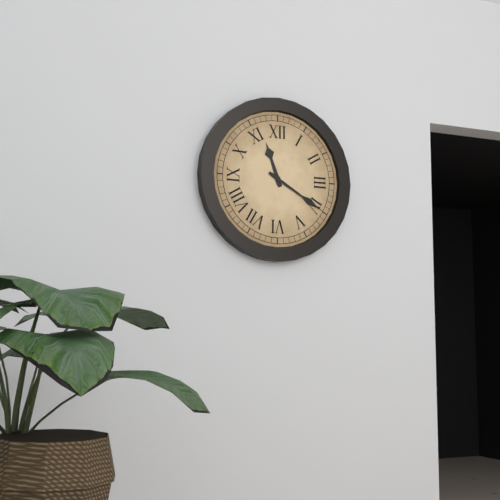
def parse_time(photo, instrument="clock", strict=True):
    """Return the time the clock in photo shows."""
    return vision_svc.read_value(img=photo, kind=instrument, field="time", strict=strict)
11:20
